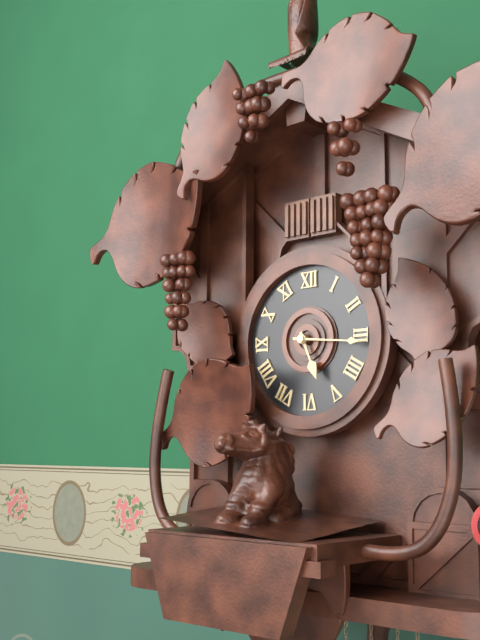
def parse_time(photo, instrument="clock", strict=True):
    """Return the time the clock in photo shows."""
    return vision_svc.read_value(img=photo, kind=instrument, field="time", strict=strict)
5:16
